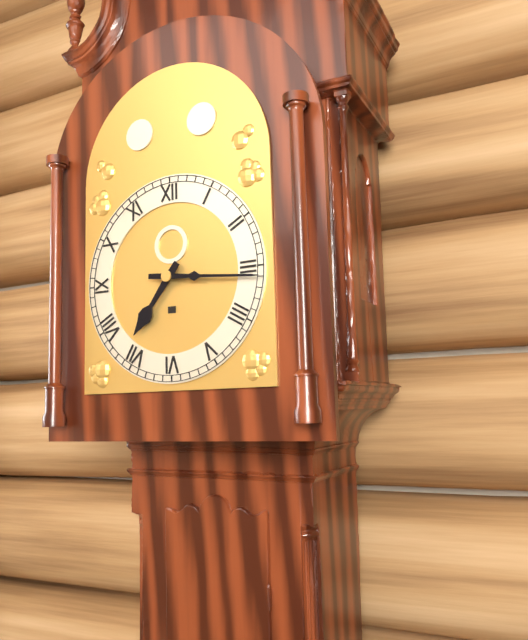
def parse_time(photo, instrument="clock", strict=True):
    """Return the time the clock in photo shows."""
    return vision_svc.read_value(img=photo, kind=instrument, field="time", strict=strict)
7:16
